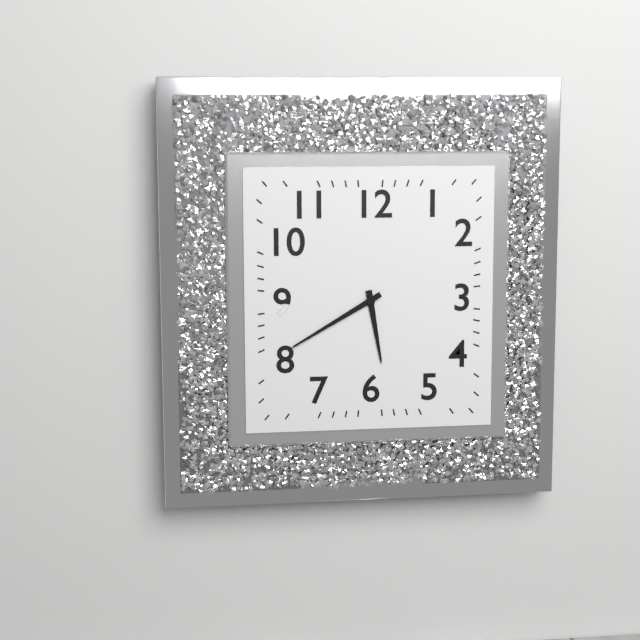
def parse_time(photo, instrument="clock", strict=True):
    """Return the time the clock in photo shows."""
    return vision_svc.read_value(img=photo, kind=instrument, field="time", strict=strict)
5:40
